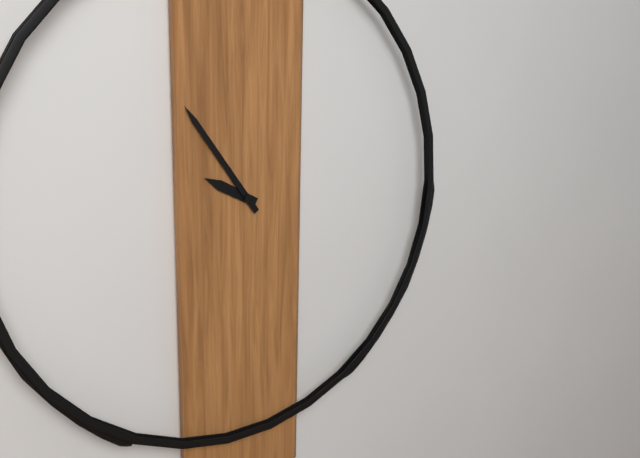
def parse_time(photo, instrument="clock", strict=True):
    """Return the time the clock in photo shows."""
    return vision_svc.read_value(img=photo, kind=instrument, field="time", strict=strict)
9:54
